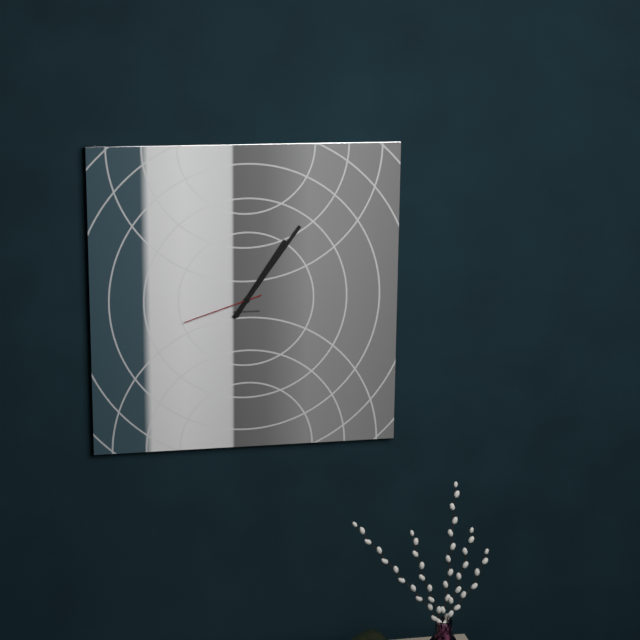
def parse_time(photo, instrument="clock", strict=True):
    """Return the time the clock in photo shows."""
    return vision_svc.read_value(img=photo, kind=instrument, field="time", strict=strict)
1:06:42
